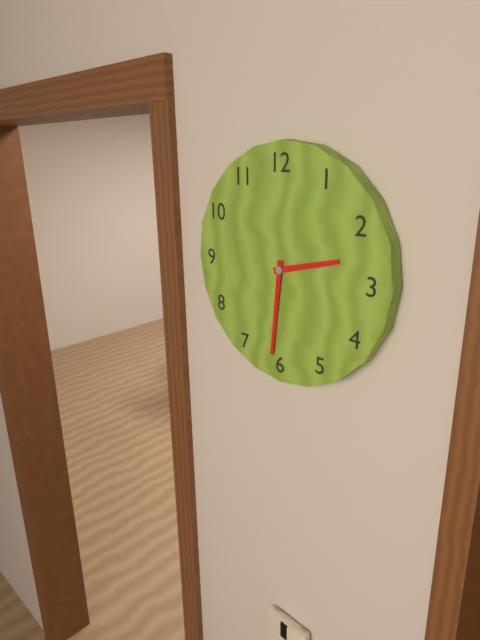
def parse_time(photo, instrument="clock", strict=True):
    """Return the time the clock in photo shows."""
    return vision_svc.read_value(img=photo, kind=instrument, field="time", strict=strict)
2:31
